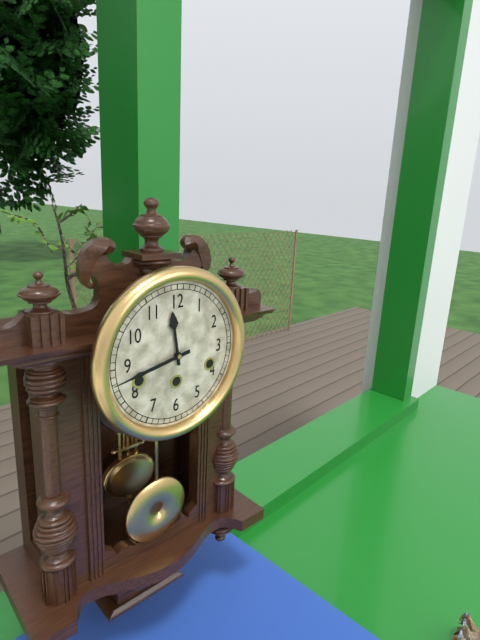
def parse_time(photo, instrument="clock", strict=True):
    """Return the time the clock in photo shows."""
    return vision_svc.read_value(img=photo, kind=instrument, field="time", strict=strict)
11:43
